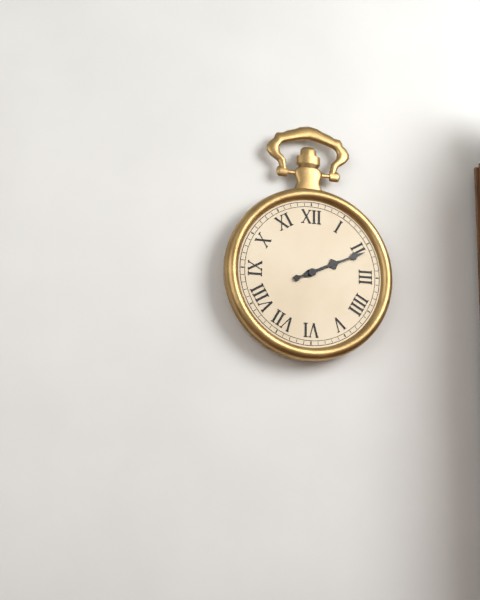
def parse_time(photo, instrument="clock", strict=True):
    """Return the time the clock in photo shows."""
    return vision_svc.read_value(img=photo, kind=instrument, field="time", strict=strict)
2:11
